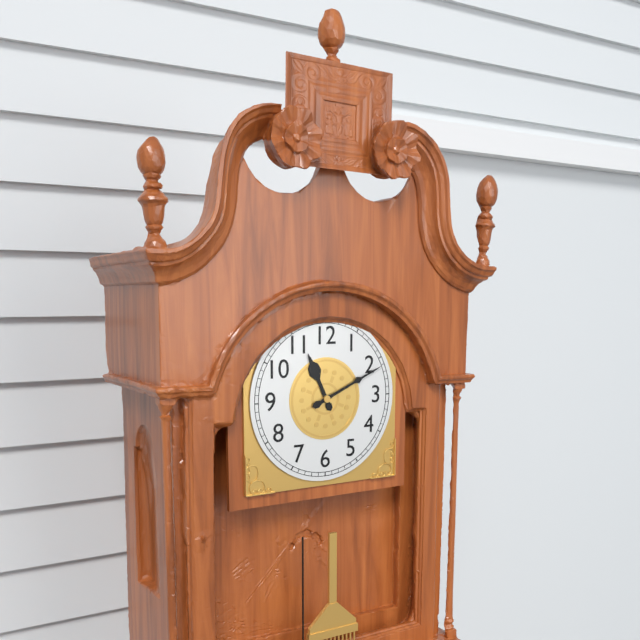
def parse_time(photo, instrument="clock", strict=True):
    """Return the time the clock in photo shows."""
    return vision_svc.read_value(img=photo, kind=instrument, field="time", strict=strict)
11:11
